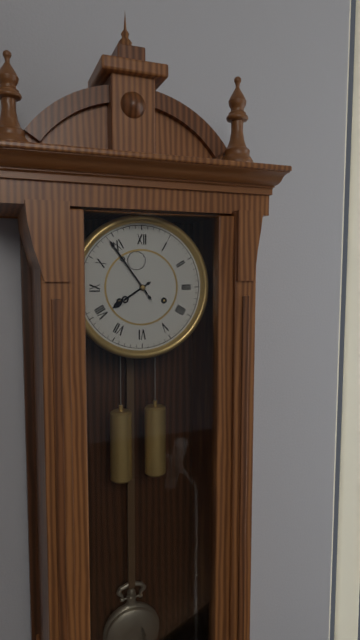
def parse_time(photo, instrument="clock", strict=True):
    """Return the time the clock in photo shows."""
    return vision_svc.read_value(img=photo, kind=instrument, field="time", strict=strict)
7:54
